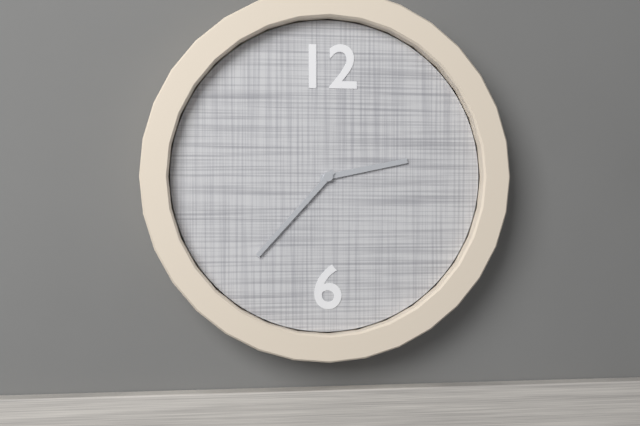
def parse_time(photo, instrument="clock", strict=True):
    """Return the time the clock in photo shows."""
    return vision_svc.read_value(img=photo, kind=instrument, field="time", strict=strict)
2:37
